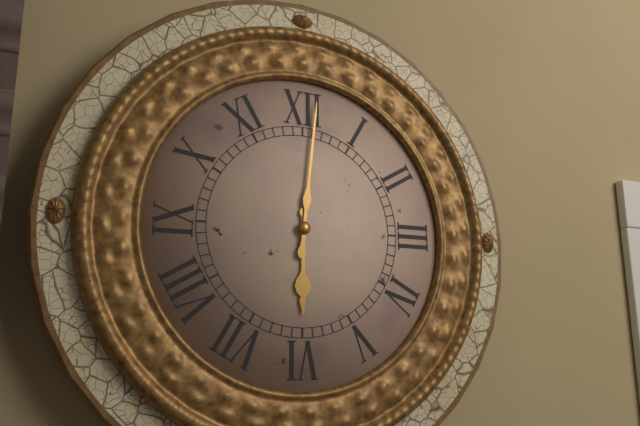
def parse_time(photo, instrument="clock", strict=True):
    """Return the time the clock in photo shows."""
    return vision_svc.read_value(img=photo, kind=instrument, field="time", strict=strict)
6:01
